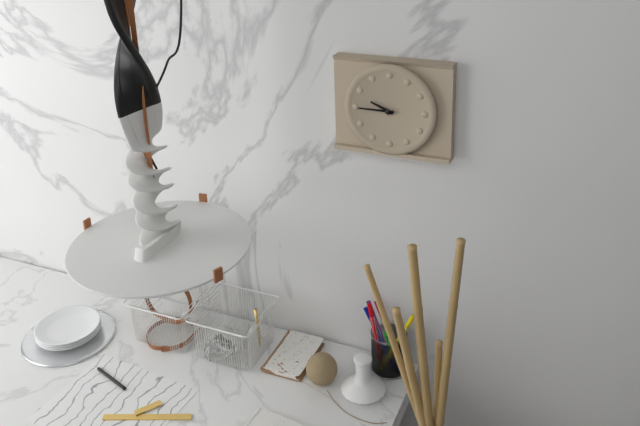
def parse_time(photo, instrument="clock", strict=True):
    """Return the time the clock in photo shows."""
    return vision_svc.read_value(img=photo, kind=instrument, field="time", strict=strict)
9:45
